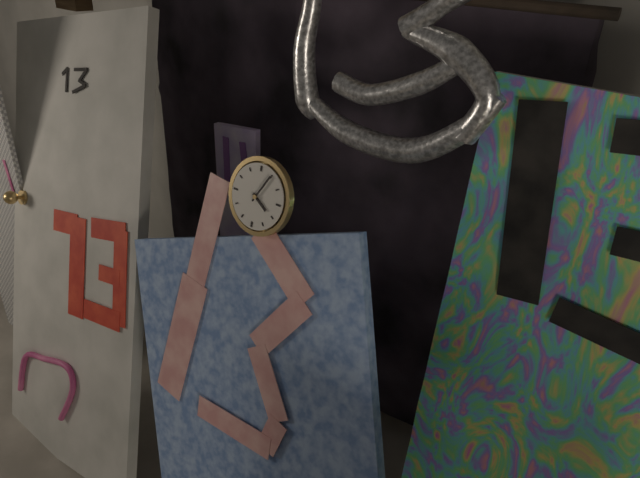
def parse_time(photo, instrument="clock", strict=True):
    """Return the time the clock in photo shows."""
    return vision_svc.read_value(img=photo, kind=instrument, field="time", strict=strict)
4:05
